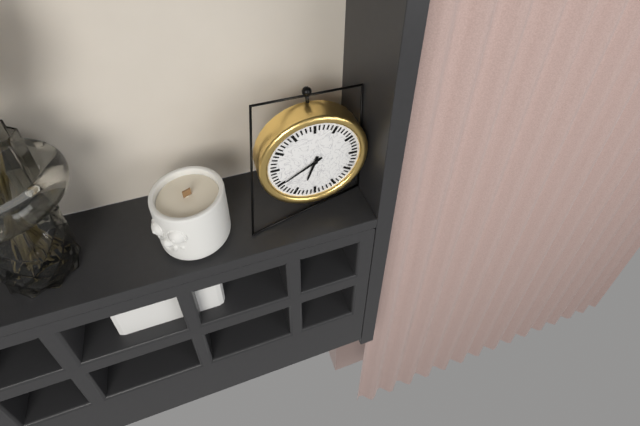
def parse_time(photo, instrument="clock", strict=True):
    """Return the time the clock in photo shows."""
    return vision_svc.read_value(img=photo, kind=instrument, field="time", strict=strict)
6:40
